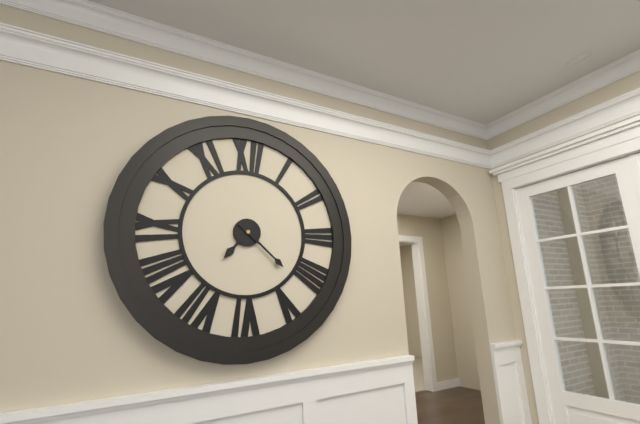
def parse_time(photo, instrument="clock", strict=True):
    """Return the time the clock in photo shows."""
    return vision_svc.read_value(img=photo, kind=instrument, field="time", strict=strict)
7:22
